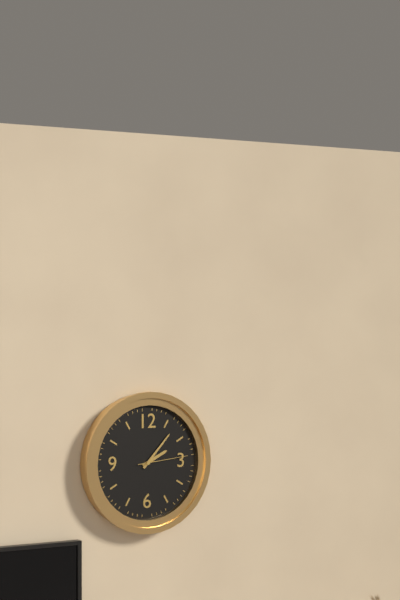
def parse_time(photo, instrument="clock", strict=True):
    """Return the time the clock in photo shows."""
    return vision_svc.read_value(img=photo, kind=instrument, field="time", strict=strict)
2:07:14
